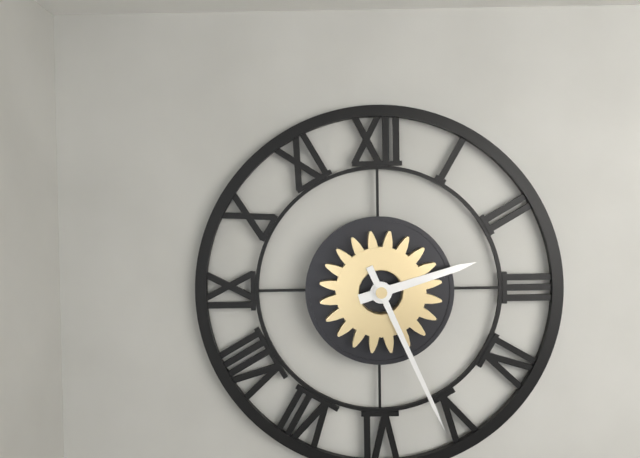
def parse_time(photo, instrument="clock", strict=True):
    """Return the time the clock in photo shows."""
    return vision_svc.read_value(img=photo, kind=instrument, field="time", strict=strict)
2:26
